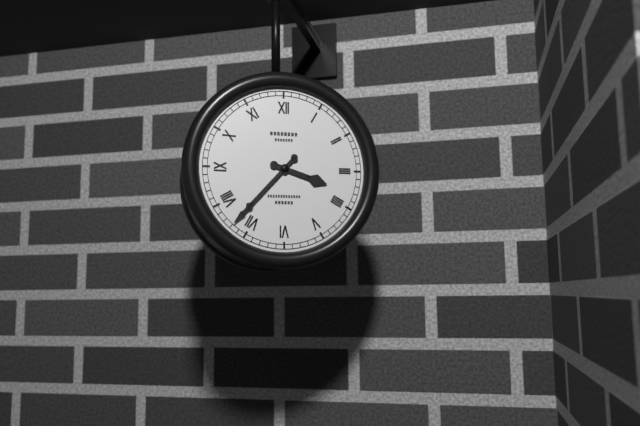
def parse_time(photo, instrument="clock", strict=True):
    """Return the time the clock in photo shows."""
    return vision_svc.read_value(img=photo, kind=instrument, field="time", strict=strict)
3:37
